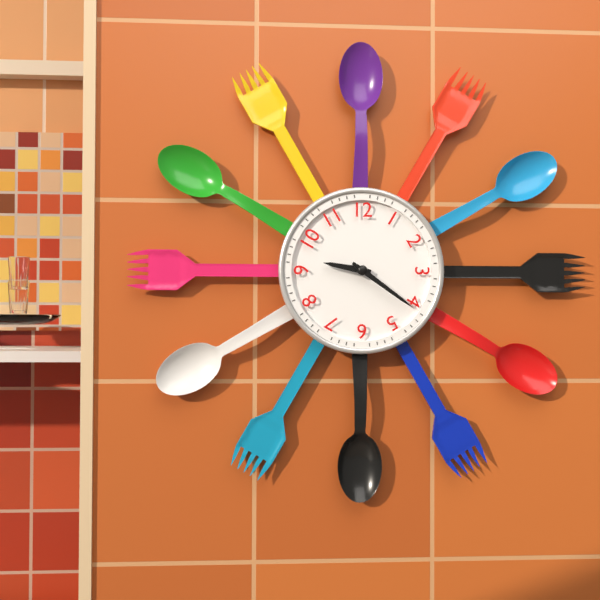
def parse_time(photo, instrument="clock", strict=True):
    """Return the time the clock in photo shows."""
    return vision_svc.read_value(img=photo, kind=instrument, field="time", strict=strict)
9:21
